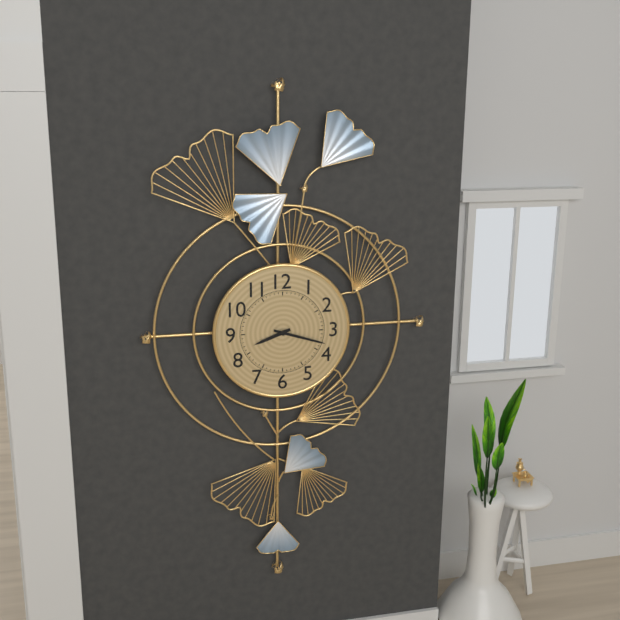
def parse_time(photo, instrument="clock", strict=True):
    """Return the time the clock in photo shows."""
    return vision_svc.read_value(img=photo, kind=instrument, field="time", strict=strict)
8:18
